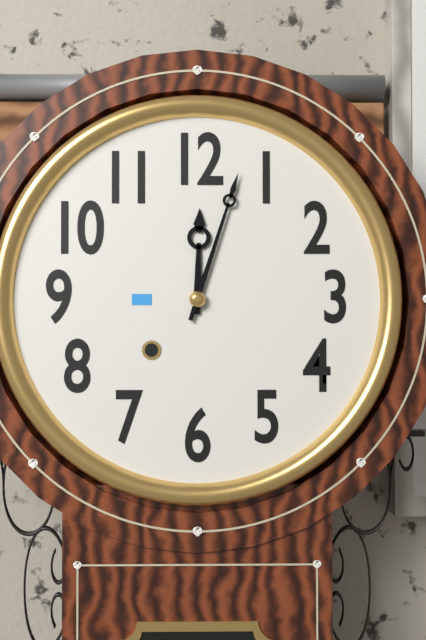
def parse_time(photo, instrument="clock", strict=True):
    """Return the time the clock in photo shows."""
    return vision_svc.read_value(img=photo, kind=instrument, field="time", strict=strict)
12:03
